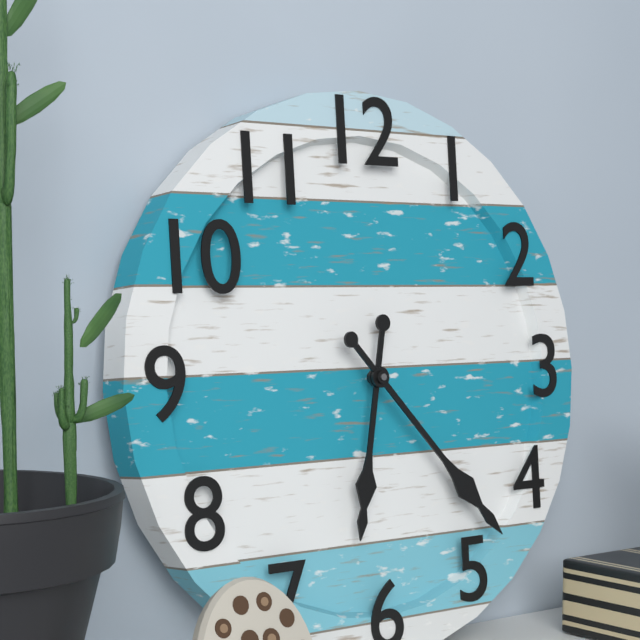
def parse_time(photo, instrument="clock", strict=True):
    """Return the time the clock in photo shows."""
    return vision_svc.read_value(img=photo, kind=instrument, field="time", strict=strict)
6:23
